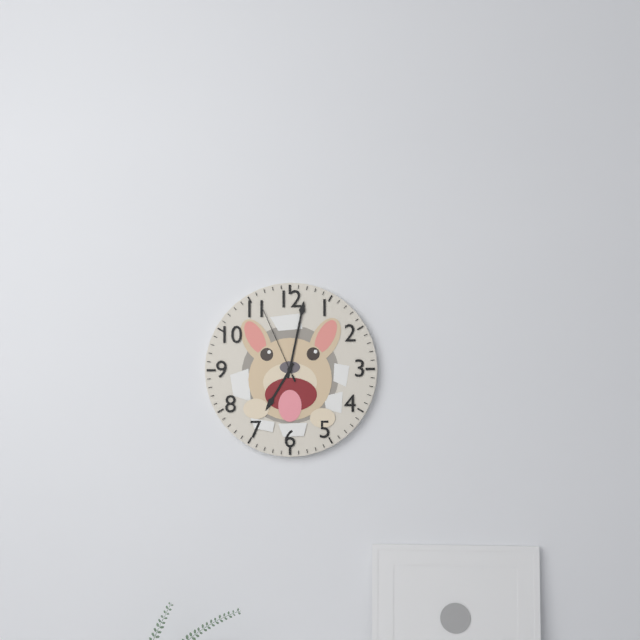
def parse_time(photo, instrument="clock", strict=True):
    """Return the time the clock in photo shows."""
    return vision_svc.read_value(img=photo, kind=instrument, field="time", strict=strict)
7:02:56
